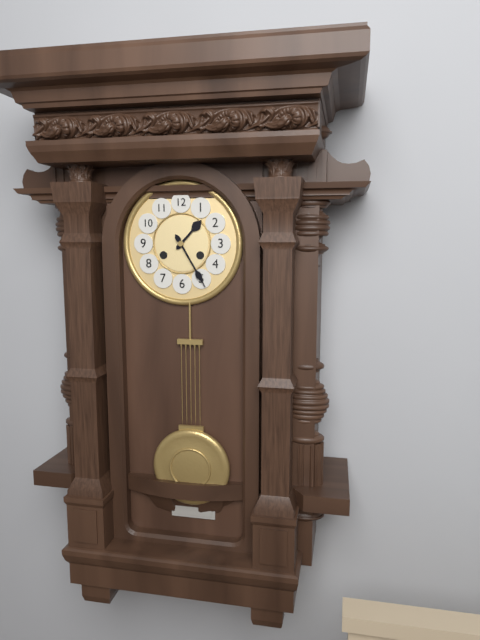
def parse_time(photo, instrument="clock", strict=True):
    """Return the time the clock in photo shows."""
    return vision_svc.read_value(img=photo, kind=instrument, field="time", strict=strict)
1:25
